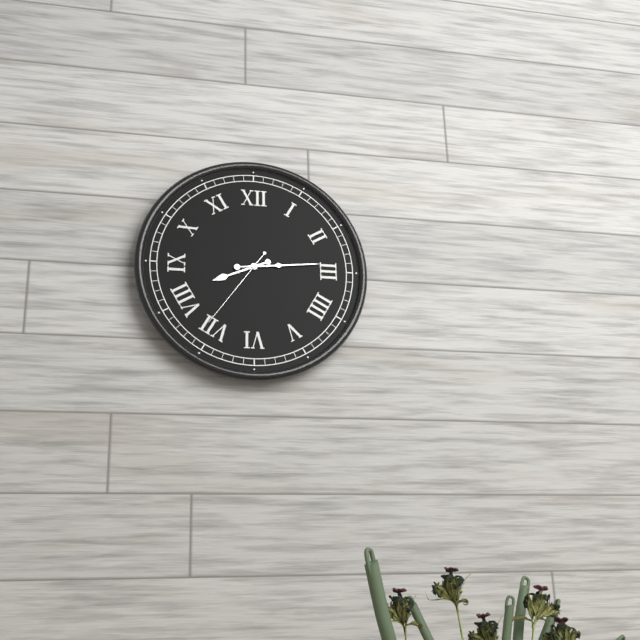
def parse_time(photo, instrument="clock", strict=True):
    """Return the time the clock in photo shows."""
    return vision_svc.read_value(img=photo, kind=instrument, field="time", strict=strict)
8:14:36
